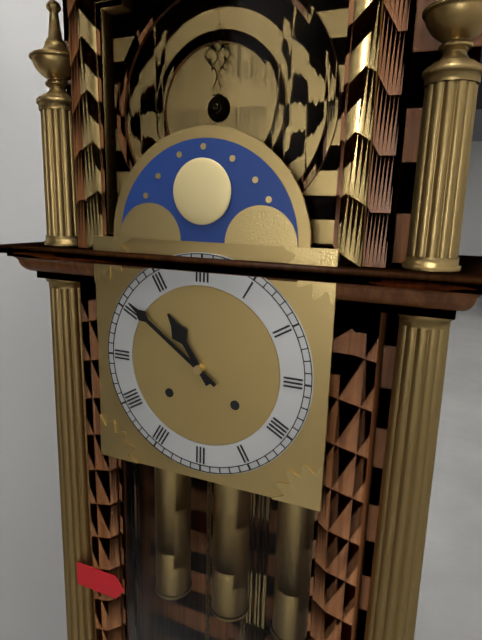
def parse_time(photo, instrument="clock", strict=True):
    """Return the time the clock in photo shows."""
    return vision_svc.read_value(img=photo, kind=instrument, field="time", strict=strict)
10:51
